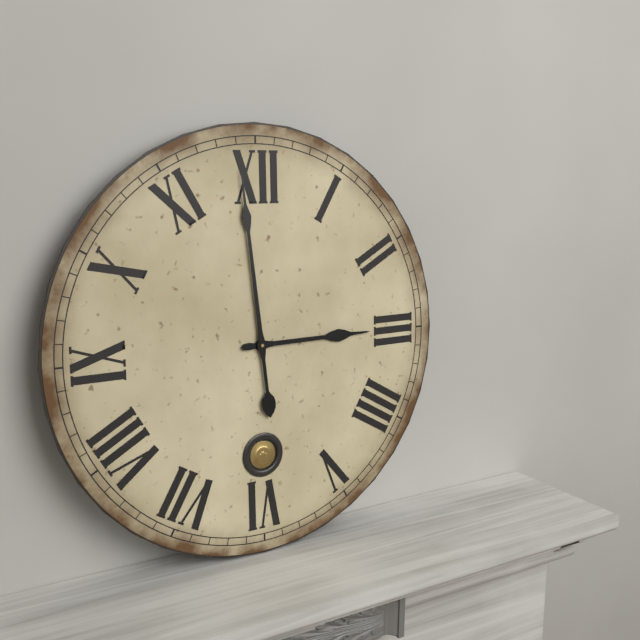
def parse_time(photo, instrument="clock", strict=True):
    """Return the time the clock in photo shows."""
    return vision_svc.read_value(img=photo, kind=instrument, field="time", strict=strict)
2:59
